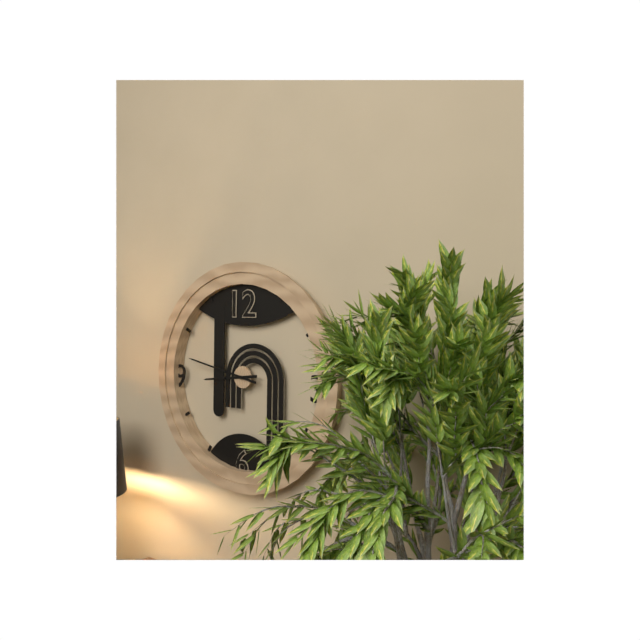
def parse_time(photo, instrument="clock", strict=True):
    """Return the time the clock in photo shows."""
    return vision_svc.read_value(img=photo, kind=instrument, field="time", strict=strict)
8:47
